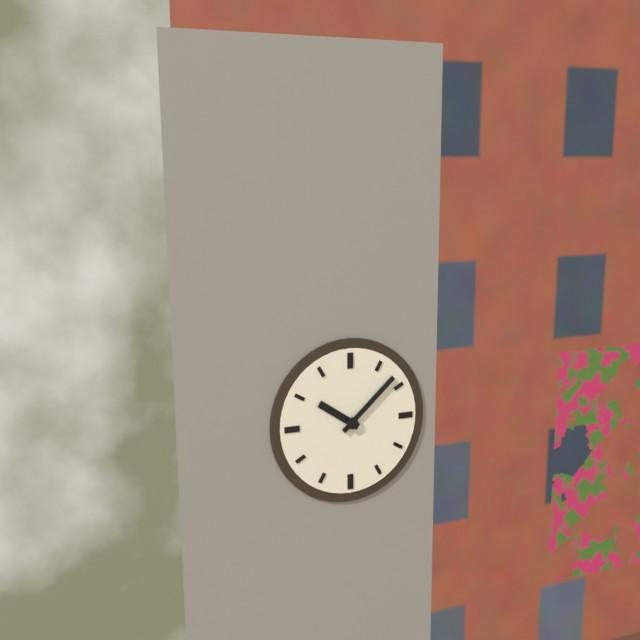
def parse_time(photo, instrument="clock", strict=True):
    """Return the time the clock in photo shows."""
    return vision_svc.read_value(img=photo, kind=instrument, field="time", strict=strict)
10:08
